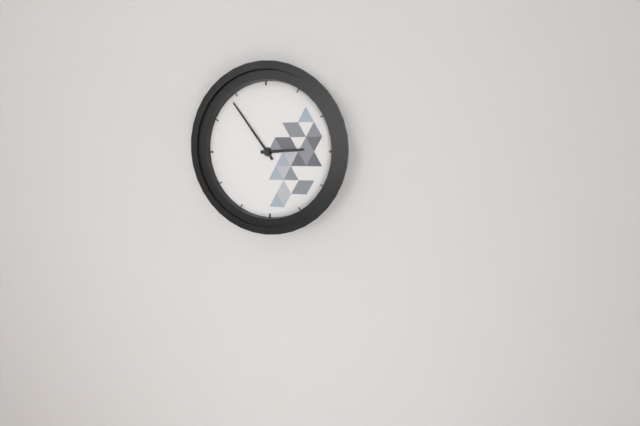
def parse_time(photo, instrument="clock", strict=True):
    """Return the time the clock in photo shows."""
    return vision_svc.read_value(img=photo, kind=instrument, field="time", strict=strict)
2:54
